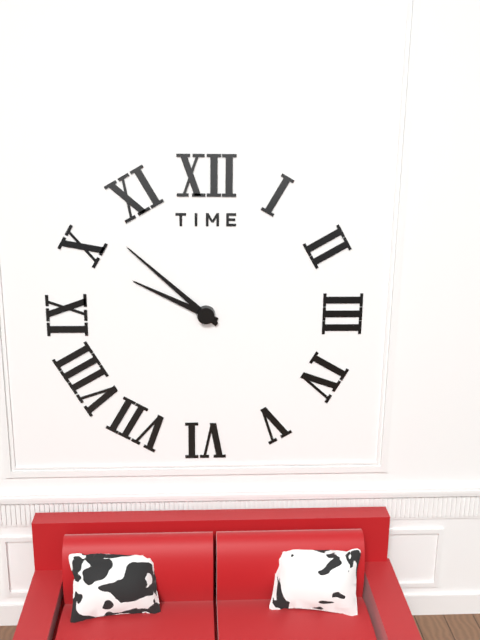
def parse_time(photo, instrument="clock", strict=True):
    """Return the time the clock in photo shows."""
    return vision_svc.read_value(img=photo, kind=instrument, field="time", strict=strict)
9:52
